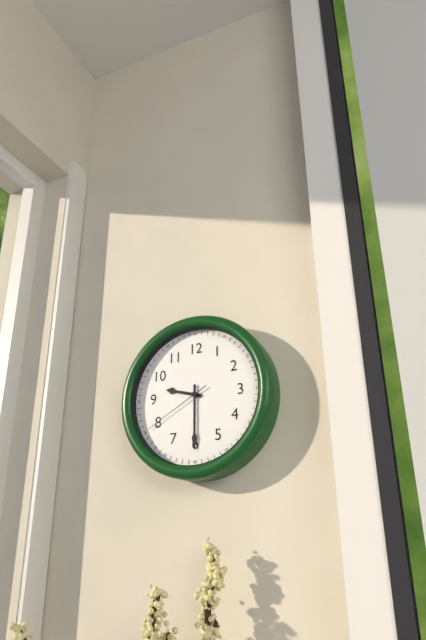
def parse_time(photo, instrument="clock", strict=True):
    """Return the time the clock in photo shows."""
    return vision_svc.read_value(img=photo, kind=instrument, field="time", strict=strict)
9:30:40
